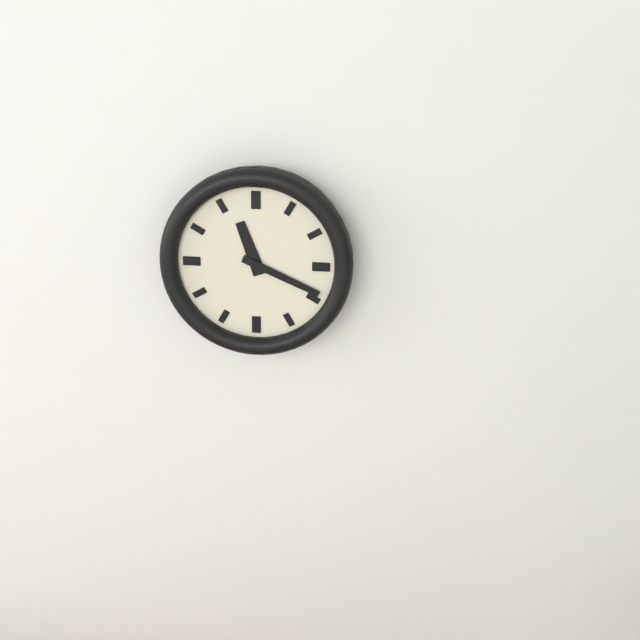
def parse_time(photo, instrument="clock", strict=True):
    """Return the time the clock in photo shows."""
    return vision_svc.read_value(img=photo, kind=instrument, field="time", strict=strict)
11:19
